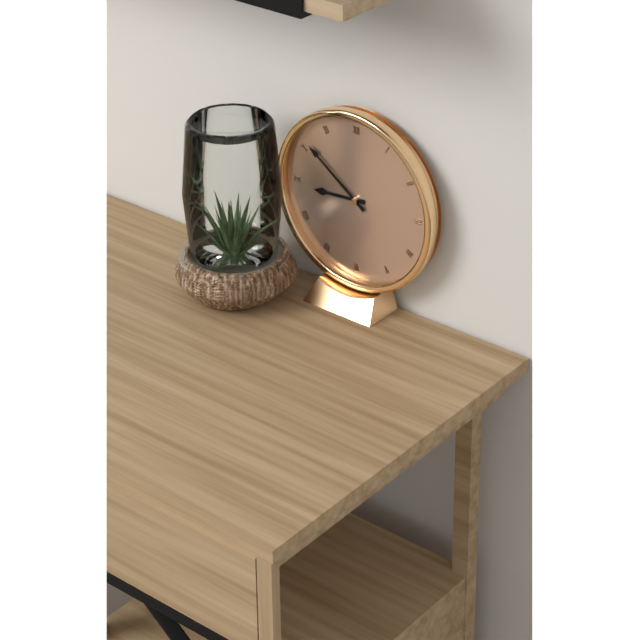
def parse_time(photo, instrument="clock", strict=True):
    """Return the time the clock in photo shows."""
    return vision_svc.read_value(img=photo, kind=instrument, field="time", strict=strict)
8:51
